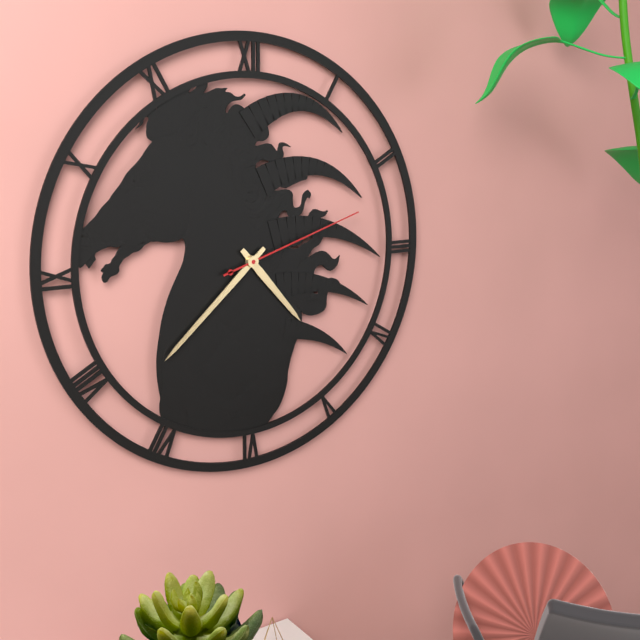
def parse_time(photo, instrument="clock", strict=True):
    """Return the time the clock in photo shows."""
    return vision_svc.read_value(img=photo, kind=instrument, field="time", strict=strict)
4:38:12
